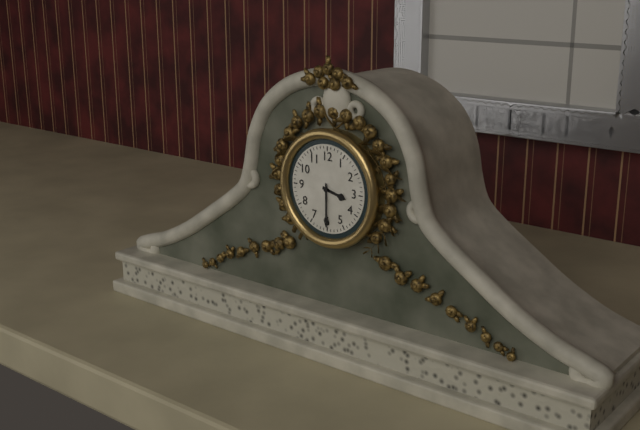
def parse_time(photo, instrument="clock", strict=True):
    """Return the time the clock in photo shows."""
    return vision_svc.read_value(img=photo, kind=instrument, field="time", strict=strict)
3:30
